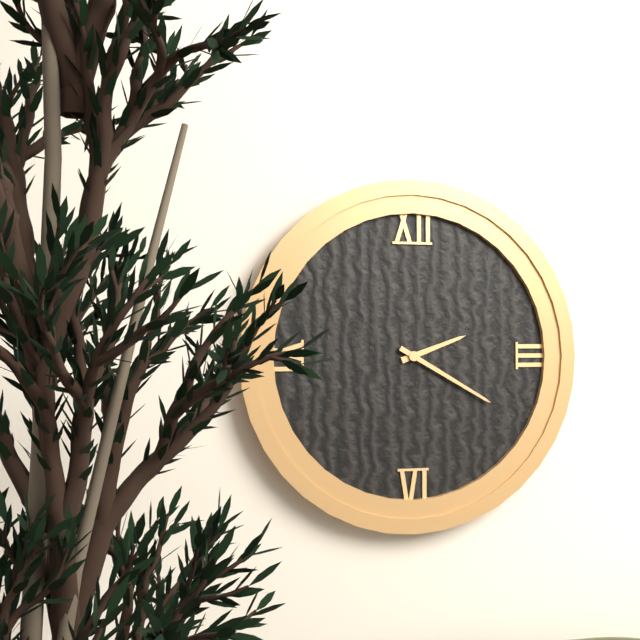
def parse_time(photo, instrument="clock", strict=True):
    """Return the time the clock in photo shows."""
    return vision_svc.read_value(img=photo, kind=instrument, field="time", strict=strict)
2:20
